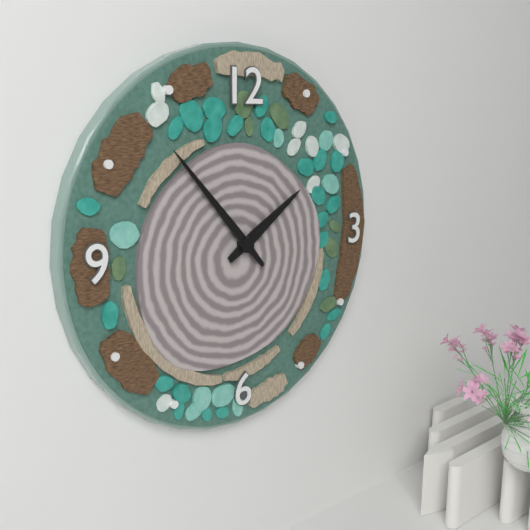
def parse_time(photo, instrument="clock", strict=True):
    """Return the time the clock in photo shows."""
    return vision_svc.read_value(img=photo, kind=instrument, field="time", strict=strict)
1:53
